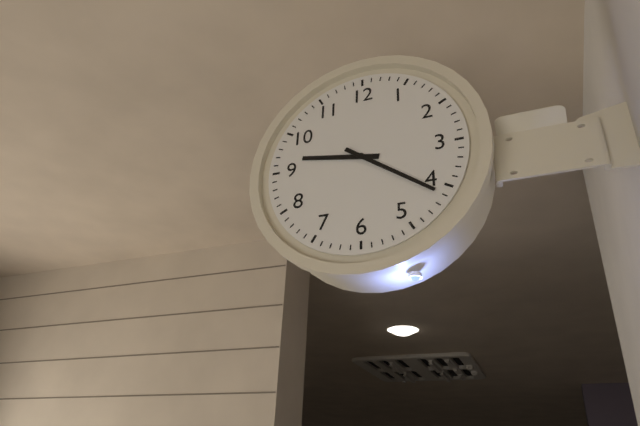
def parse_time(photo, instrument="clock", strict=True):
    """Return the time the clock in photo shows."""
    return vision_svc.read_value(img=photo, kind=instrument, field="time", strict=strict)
9:21
